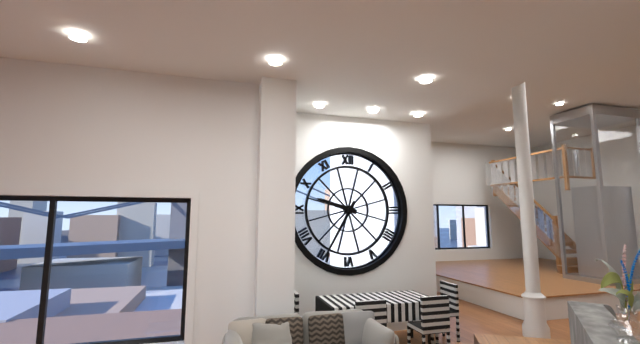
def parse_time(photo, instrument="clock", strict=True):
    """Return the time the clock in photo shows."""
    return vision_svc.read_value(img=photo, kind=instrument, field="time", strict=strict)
9:35
